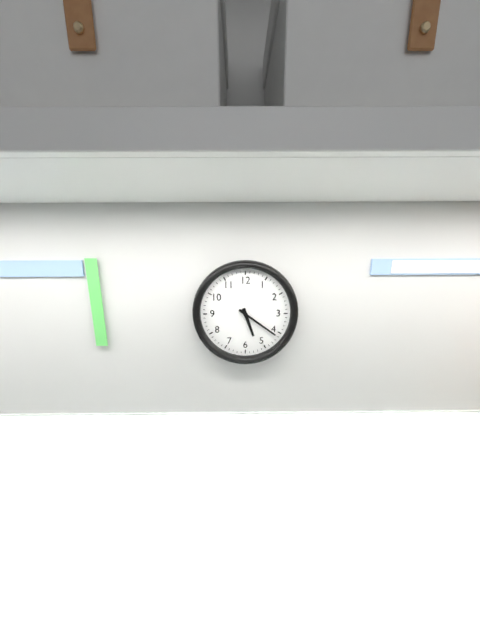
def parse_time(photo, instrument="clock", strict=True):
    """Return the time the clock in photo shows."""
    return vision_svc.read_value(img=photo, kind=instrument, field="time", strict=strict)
5:21
